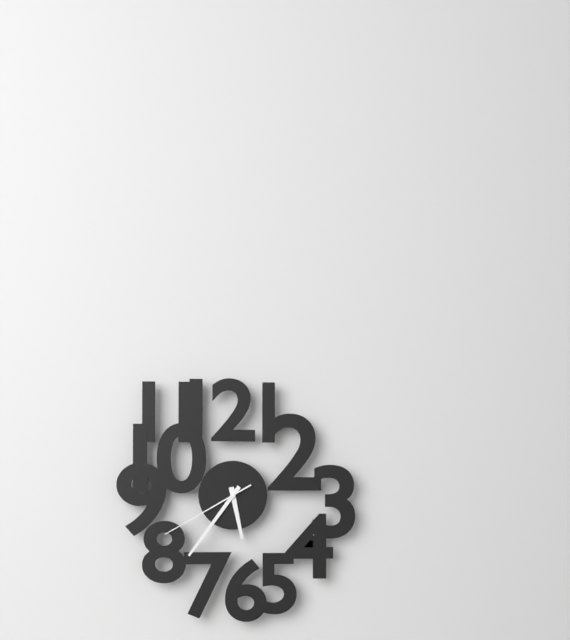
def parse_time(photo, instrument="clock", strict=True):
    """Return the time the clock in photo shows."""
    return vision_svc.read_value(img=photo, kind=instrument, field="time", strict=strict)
5:36:40
